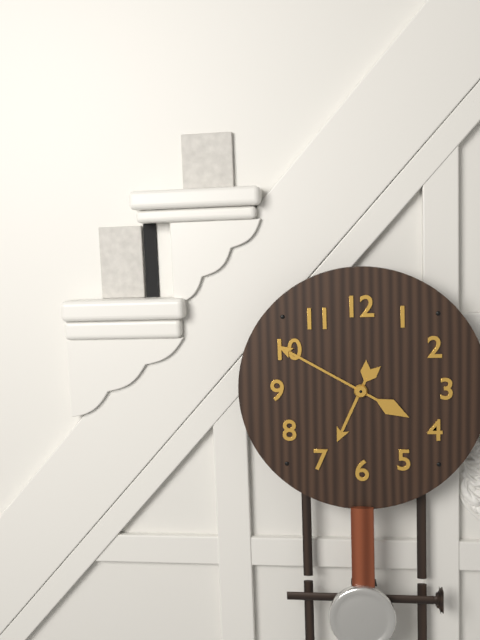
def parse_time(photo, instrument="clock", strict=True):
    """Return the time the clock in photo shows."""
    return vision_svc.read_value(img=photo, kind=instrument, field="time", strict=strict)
6:50
